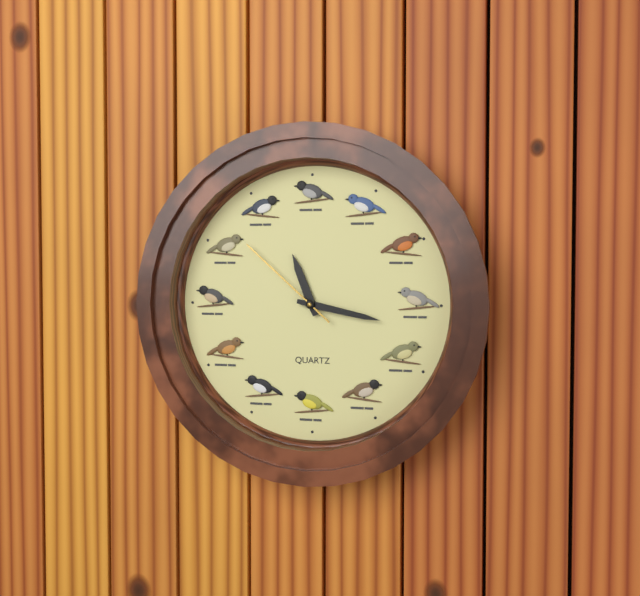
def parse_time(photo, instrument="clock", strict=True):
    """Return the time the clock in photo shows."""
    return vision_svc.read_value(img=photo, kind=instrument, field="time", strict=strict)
11:17:52
